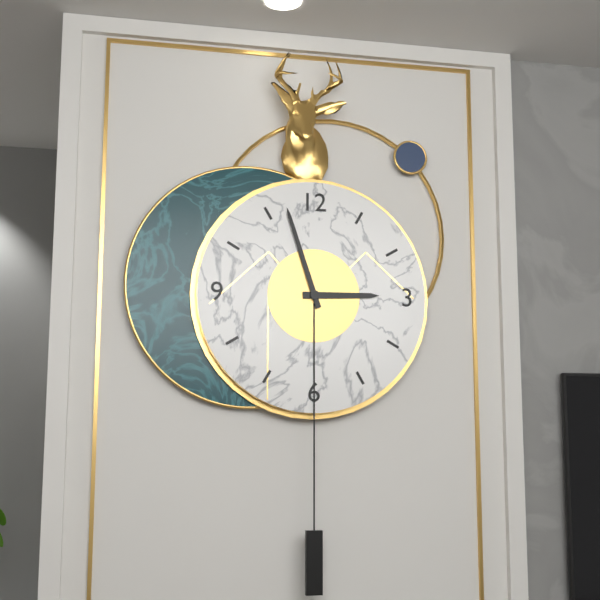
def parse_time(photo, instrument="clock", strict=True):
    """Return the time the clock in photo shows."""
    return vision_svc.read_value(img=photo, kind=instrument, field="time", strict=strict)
2:57
